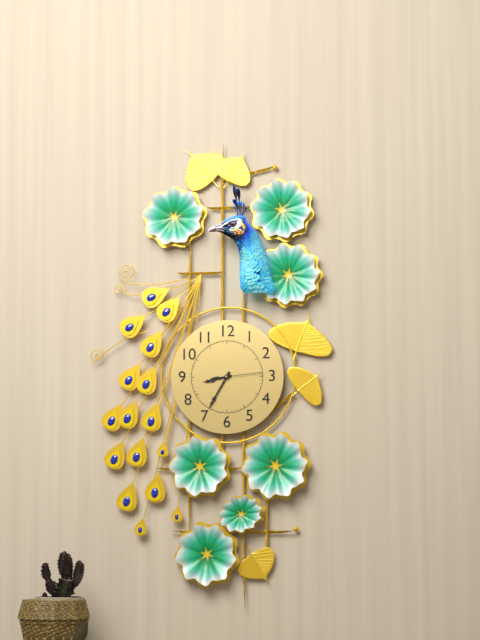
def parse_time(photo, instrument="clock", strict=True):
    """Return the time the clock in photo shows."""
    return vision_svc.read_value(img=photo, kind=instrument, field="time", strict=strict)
8:35
